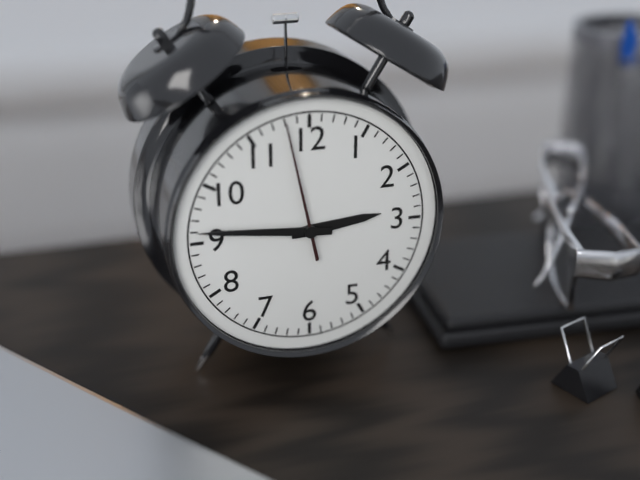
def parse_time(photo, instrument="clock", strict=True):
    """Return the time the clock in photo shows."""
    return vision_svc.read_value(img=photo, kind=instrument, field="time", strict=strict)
2:46:58
